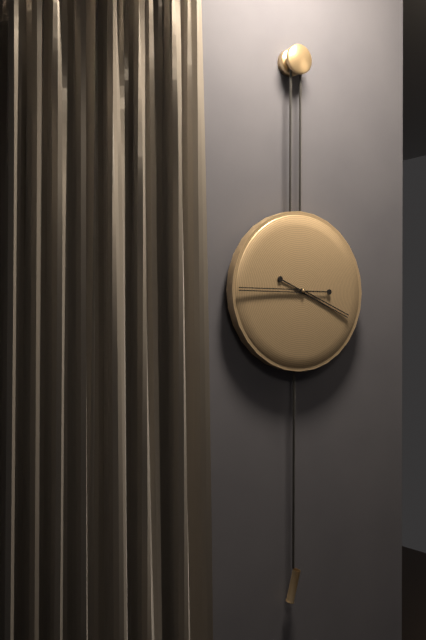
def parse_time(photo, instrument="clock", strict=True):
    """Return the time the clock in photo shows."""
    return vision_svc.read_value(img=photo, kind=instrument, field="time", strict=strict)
3:45
